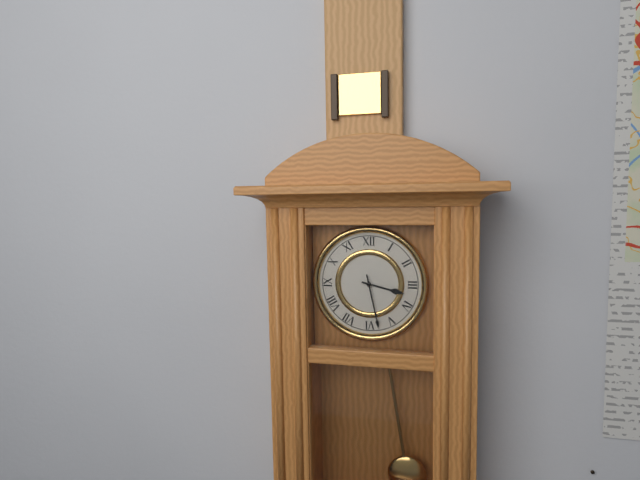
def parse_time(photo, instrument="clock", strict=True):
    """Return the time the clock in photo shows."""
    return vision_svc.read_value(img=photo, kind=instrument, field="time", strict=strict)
3:28
